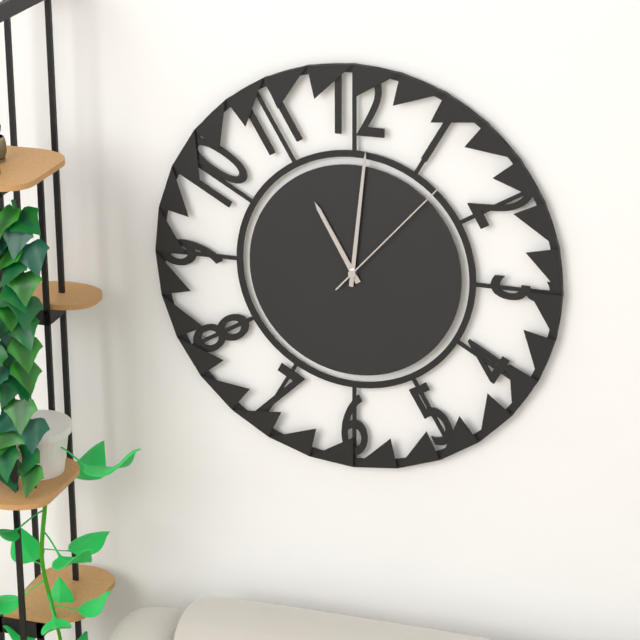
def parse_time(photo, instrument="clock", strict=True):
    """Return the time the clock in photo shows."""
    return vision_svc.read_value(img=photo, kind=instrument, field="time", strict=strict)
11:01:07
